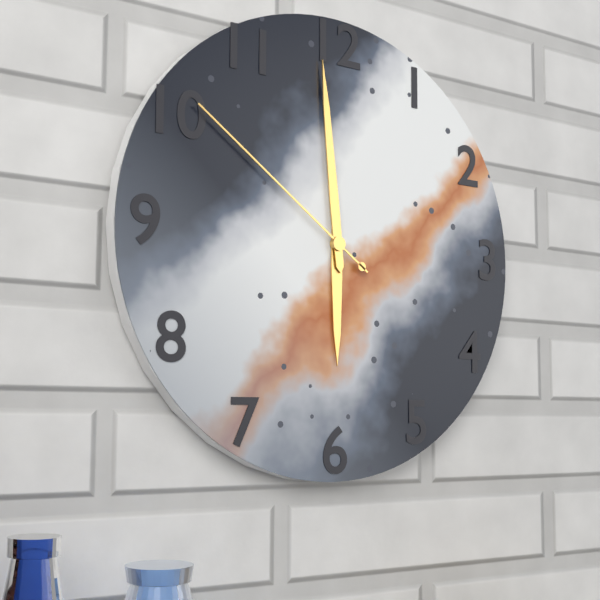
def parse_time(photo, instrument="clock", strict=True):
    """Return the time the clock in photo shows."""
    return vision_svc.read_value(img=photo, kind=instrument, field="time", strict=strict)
5:59:51
